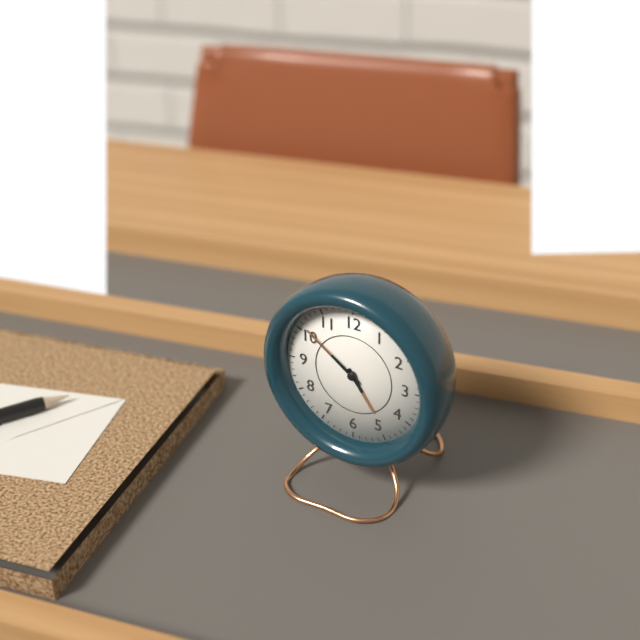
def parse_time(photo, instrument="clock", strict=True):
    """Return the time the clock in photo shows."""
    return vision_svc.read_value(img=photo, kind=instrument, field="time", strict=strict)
4:51
